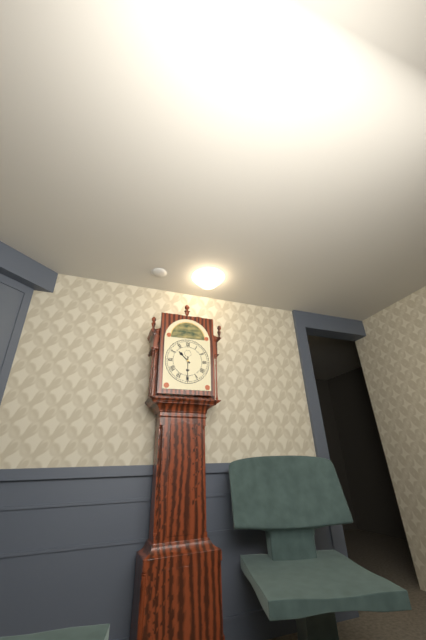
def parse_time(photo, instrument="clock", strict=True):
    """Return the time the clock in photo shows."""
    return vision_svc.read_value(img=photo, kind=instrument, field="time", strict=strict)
10:30
